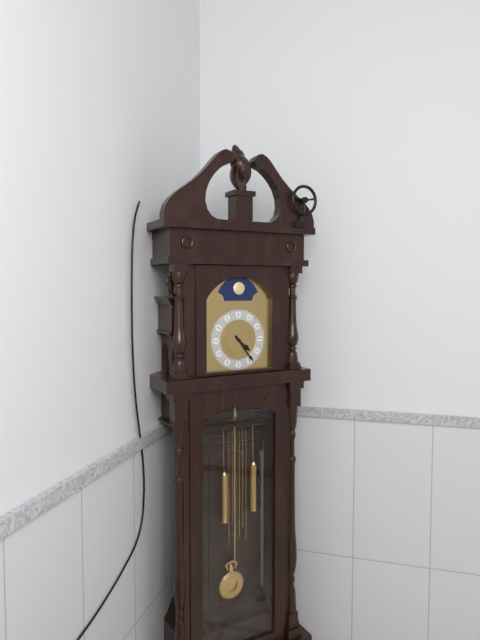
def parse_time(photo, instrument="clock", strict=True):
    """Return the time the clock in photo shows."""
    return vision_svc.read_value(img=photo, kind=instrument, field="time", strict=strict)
4:24
